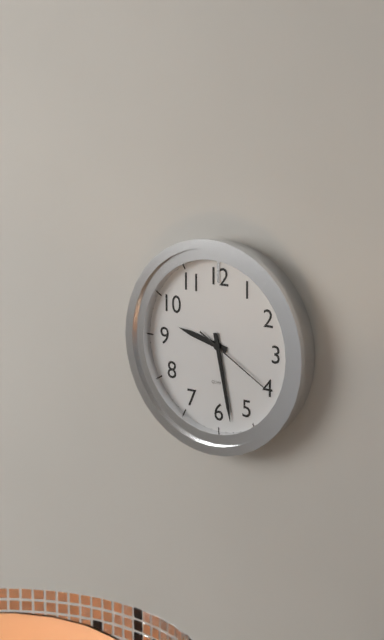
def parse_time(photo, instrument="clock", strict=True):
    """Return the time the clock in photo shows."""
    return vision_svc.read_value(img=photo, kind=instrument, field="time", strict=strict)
9:28:20
